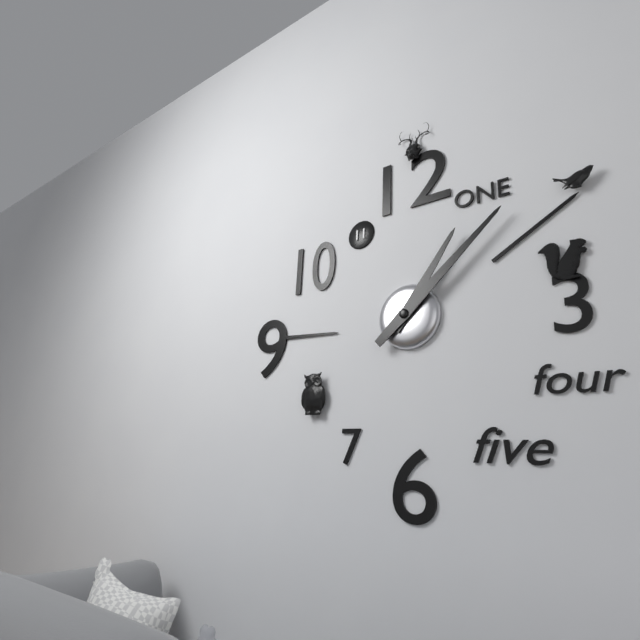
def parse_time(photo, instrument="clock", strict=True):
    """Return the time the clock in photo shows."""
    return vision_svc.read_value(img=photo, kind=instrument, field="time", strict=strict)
1:08
